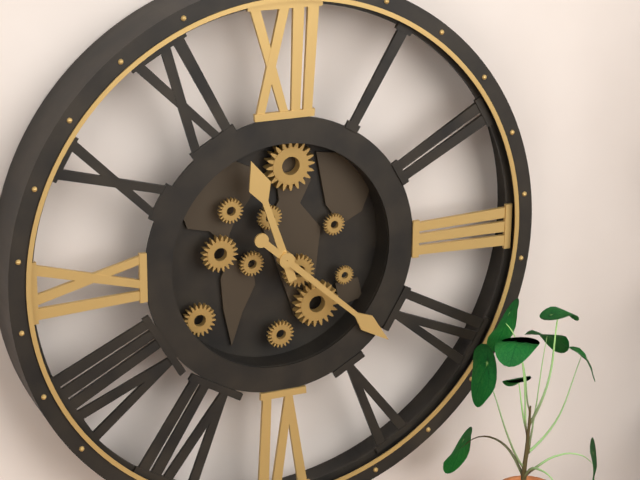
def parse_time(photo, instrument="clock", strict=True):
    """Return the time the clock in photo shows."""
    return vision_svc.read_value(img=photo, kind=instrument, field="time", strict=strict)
11:22
